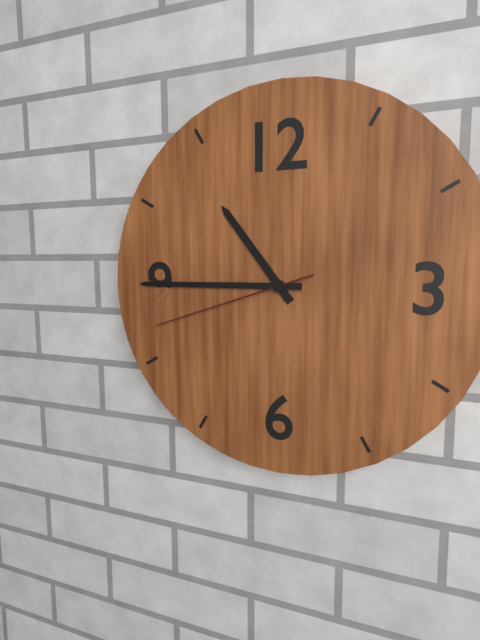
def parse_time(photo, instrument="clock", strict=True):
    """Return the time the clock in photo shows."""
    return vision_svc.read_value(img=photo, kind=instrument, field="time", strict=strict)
10:45:42
